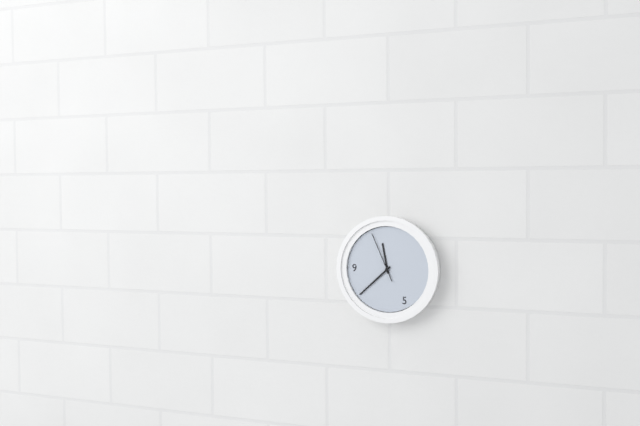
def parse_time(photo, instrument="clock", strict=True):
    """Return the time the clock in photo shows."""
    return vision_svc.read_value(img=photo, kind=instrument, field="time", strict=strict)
11:38
